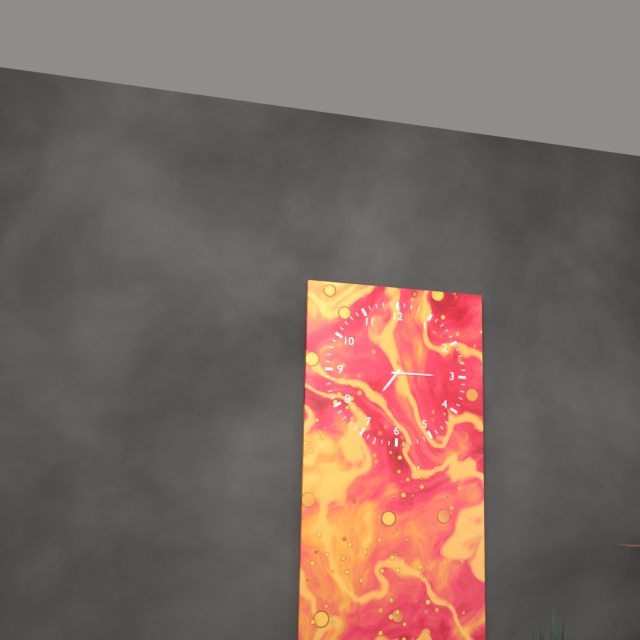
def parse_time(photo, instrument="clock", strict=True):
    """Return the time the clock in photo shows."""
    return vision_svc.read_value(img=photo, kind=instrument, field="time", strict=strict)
7:15
